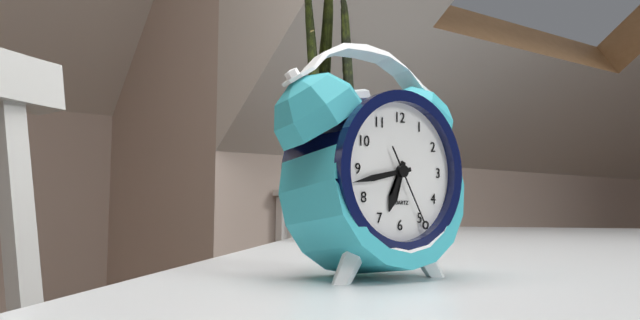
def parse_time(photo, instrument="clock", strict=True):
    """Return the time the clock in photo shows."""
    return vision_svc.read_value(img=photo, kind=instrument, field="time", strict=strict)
6:43:25
